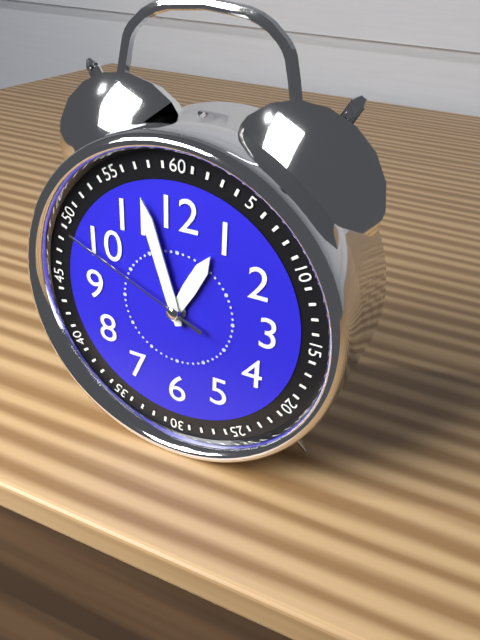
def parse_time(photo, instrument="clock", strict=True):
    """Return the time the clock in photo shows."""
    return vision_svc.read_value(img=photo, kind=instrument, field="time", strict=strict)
12:57:49
